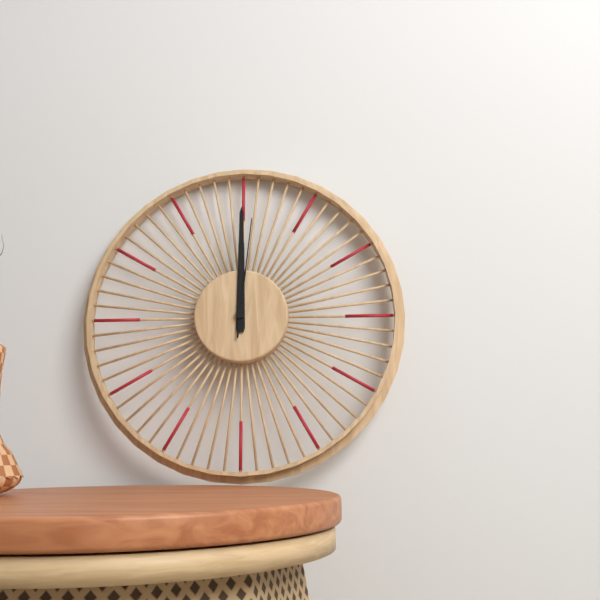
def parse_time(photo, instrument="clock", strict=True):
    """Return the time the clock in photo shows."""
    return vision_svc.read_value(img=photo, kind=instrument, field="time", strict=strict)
12:00:01
